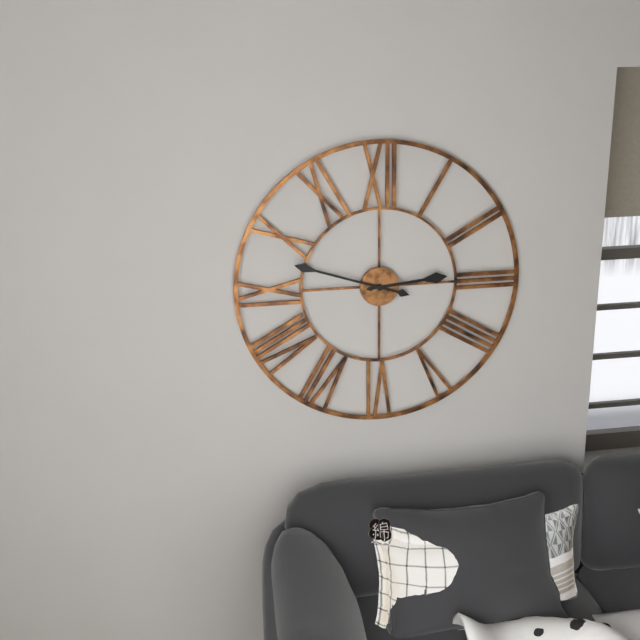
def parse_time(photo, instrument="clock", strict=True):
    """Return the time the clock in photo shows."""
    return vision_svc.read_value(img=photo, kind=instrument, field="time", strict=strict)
2:48
